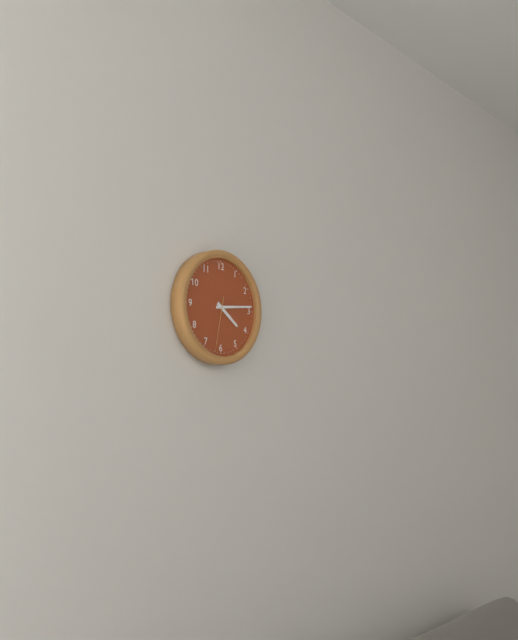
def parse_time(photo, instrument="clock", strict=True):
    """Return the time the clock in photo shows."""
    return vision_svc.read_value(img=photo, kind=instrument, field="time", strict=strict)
4:14:32
